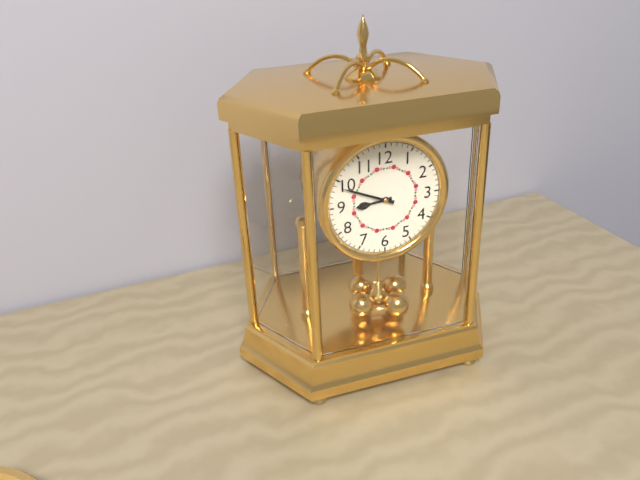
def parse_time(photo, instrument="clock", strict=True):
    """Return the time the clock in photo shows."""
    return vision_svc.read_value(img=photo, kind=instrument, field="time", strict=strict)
8:49
